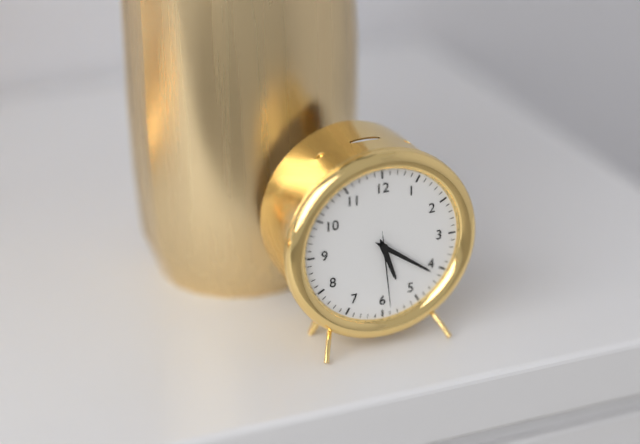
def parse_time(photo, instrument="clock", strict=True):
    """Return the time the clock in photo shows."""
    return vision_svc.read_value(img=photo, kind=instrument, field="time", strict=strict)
5:21:29
